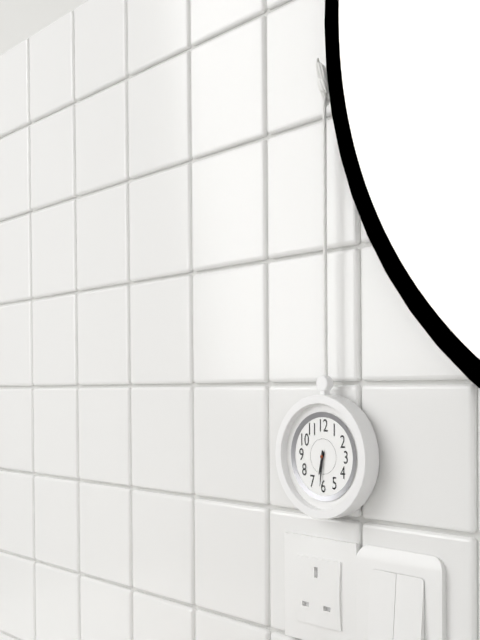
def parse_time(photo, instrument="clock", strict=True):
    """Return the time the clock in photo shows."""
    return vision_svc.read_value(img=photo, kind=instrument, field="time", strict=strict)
6:31
